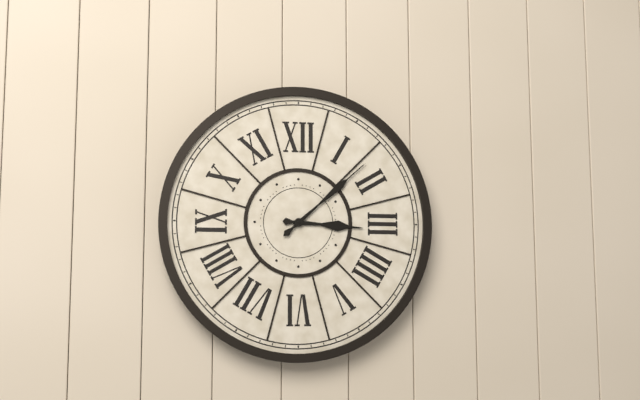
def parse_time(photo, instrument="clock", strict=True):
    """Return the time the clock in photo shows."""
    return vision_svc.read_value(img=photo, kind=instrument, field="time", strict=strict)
3:08
